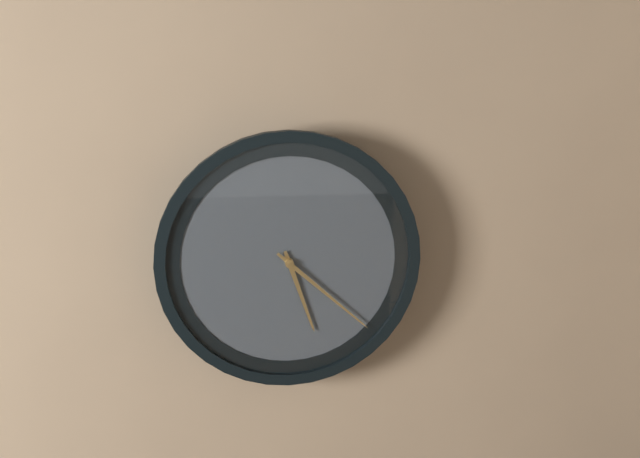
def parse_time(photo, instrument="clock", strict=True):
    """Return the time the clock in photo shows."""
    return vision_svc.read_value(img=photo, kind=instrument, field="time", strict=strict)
5:22
